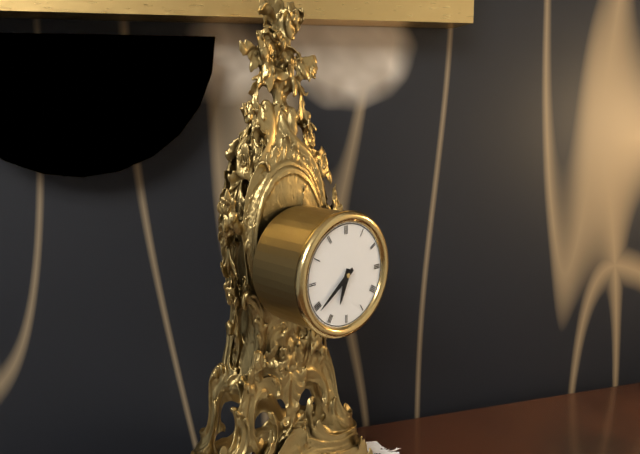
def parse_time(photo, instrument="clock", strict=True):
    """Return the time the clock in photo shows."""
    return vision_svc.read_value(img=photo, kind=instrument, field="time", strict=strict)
6:39
